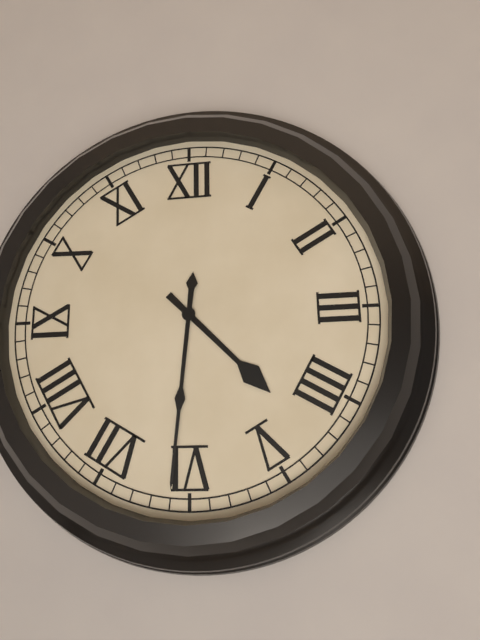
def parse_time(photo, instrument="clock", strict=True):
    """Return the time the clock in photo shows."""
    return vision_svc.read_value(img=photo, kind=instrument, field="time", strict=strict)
4:31
